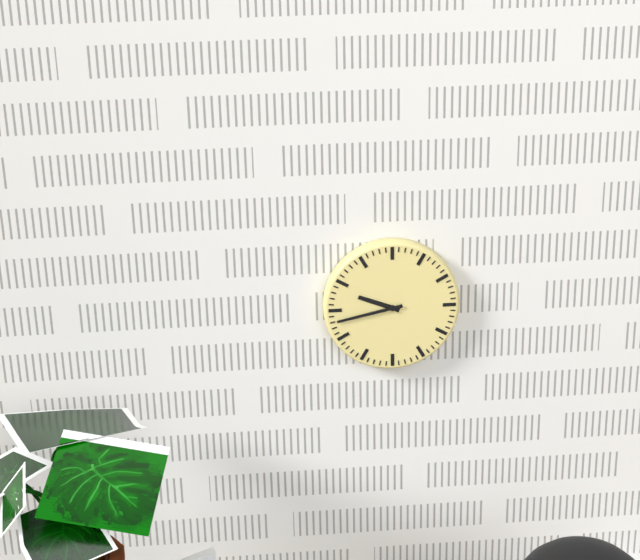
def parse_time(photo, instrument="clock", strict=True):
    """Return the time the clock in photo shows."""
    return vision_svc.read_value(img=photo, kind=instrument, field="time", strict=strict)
9:43
